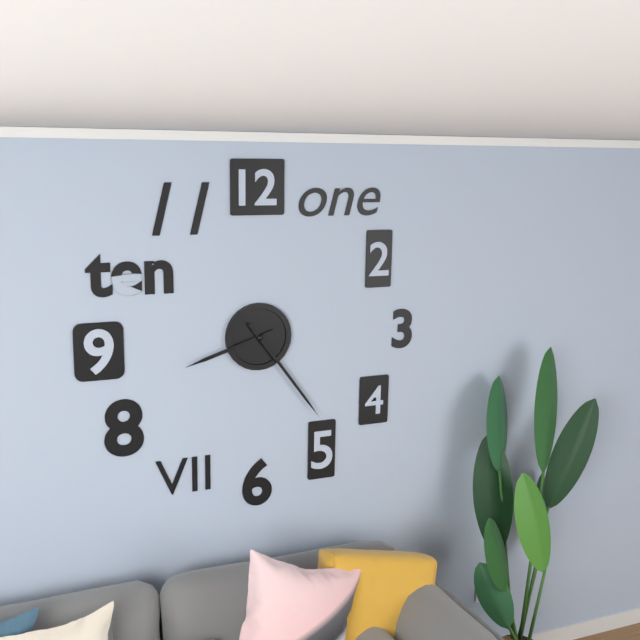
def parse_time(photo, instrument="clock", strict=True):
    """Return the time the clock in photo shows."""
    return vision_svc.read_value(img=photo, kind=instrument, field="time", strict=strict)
8:24
